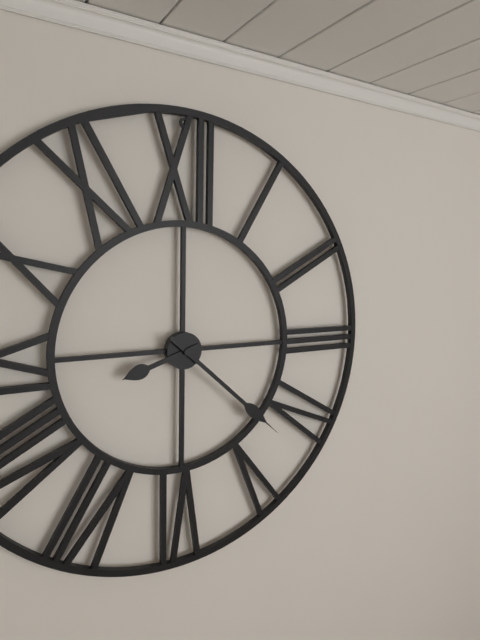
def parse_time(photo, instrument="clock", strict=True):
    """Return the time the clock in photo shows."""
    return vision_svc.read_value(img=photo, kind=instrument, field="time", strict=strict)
8:22
